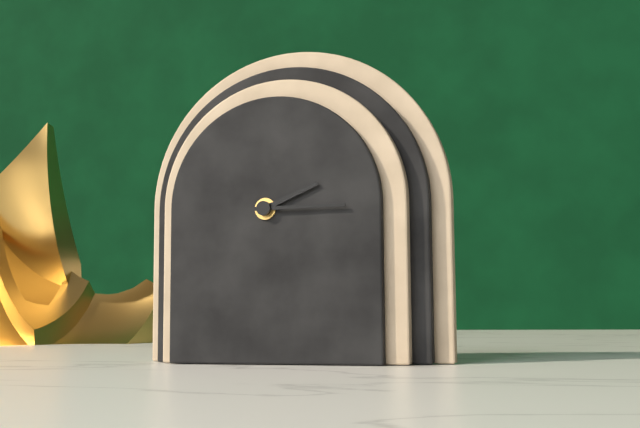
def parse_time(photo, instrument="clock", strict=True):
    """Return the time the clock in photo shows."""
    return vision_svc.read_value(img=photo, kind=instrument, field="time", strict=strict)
2:15
